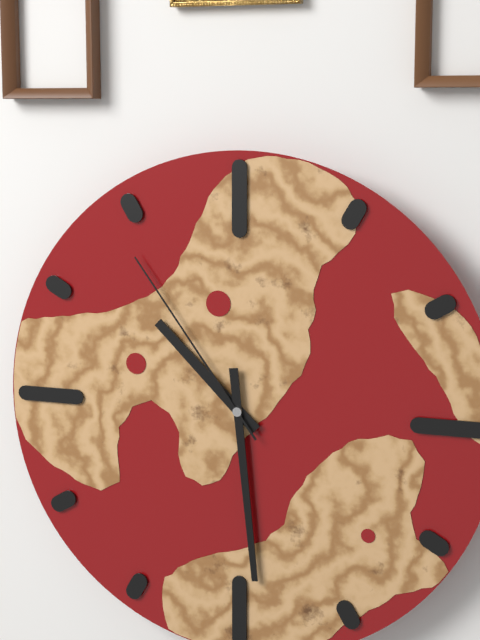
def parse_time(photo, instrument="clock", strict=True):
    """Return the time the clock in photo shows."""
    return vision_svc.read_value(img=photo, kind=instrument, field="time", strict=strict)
10:29:54
